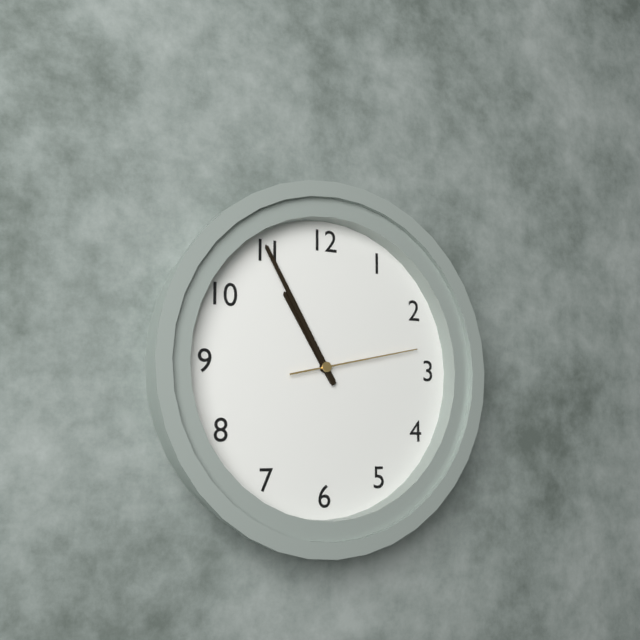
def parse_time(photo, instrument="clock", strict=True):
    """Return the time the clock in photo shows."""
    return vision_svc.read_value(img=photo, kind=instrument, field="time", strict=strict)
10:55:13
